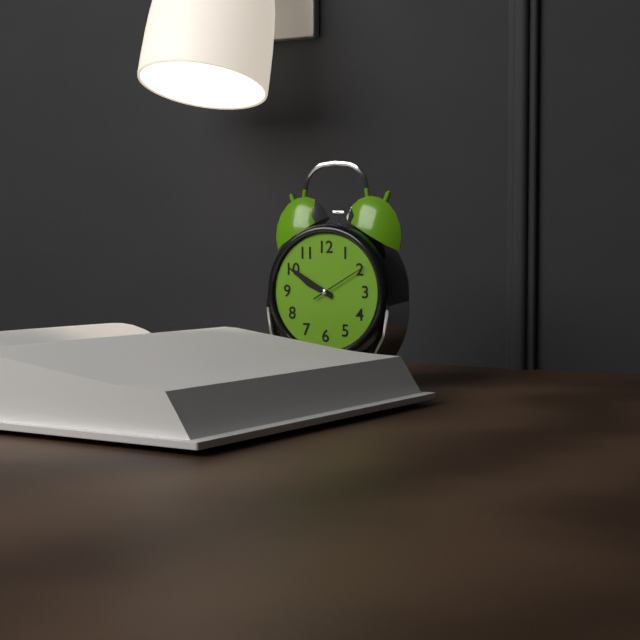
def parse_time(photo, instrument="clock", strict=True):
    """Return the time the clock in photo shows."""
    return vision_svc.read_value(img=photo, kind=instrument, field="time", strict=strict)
9:50:10
